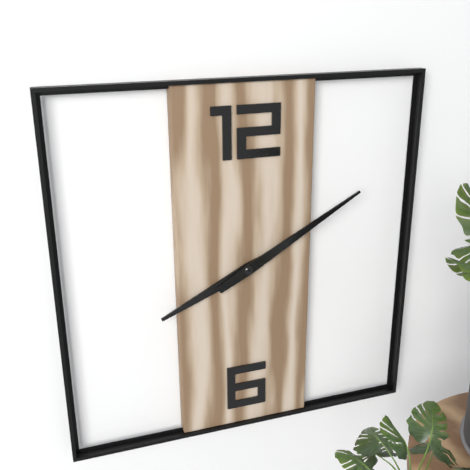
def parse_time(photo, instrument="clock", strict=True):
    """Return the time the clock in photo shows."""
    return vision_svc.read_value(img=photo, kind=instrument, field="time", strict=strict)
8:10
